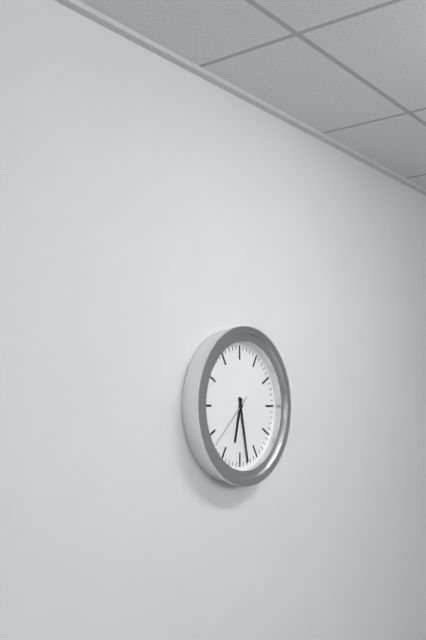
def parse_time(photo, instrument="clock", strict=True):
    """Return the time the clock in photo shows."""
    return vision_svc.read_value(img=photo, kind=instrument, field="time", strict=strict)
6:28:38
